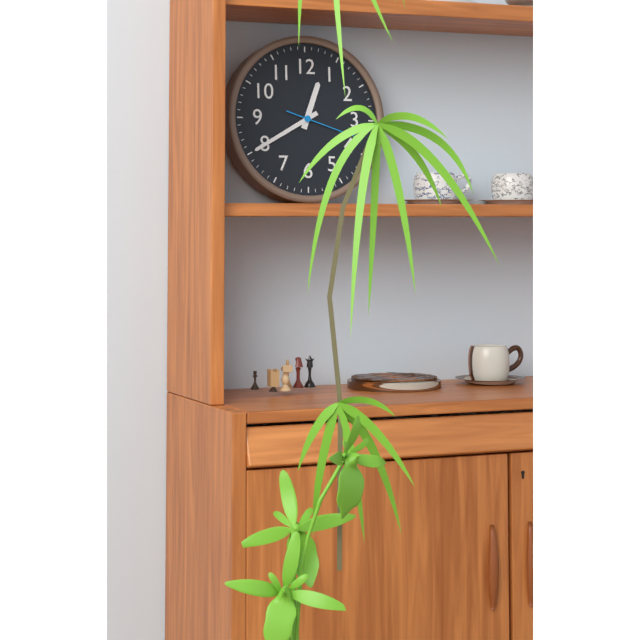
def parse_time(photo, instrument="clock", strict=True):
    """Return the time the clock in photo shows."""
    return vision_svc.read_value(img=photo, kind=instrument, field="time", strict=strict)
12:40:18
